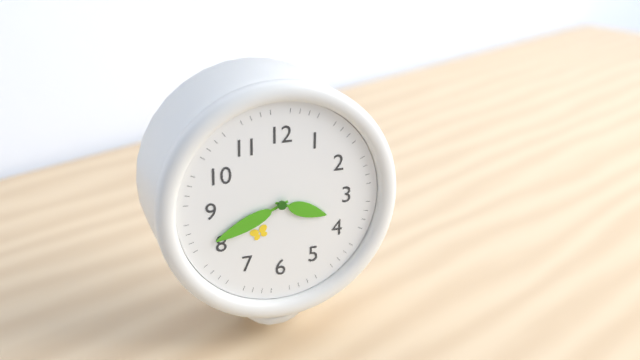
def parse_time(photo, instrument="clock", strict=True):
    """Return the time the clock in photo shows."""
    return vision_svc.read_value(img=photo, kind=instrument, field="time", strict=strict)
3:41
